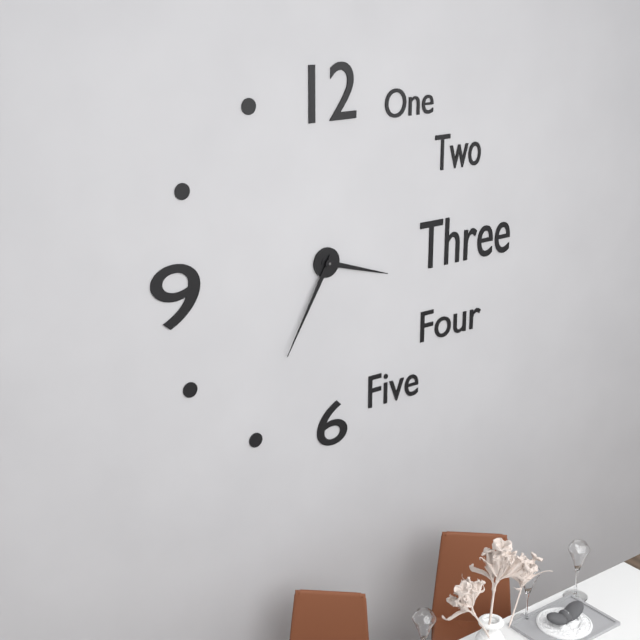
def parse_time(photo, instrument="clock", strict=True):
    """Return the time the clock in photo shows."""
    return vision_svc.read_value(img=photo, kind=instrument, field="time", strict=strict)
3:35
